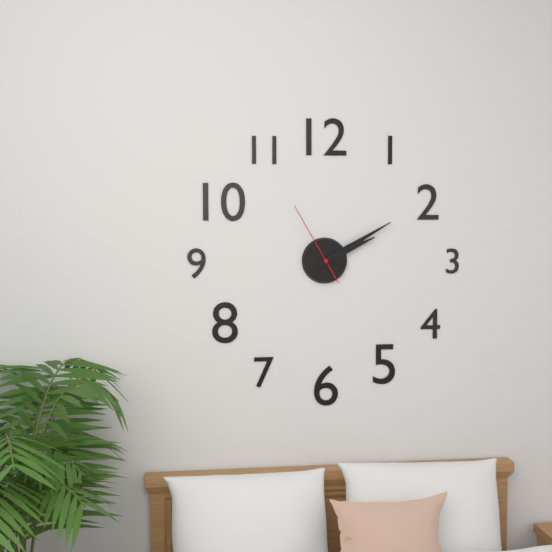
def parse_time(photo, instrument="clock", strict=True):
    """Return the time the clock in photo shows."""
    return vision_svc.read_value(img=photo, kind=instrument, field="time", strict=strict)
2:10:55
